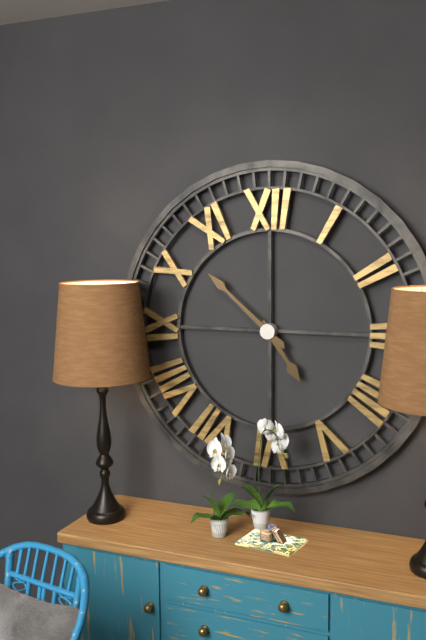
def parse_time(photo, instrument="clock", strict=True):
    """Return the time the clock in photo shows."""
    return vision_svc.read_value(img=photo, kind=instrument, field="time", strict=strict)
4:52
